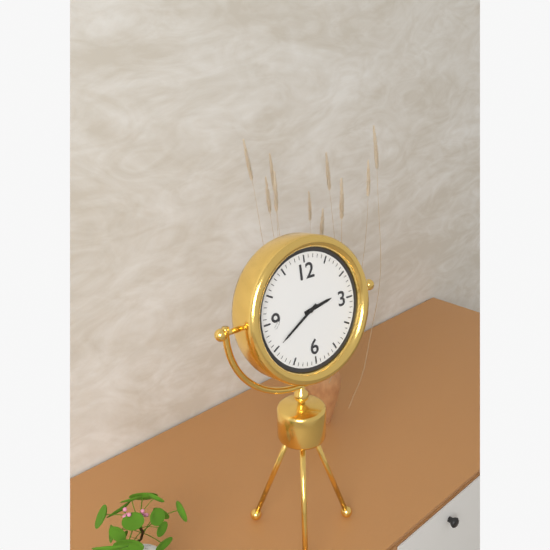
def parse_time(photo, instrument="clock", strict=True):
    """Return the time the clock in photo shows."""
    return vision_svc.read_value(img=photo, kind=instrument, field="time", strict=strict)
2:40
